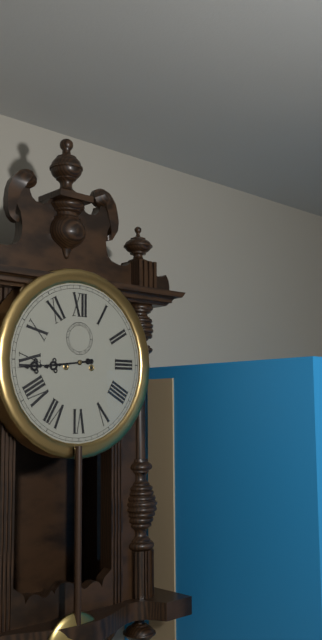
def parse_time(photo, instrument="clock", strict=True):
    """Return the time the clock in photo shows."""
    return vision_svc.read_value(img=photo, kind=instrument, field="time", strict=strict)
8:44
